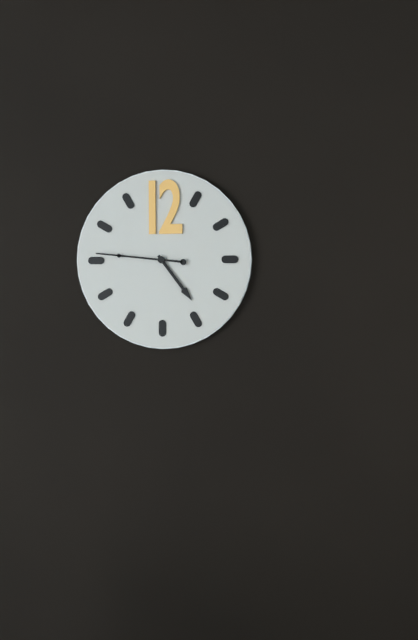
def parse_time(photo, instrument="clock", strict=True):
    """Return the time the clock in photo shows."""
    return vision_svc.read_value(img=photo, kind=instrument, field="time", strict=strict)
4:46
